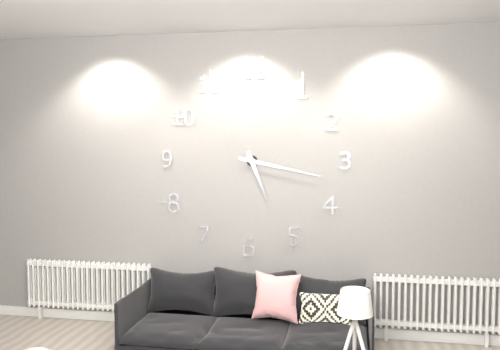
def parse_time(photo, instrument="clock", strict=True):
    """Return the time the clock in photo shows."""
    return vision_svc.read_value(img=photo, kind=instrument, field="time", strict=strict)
5:17
